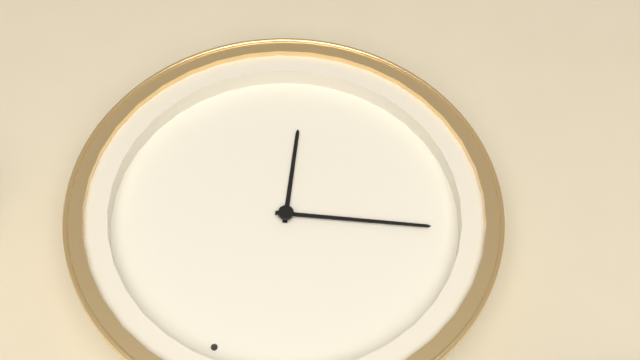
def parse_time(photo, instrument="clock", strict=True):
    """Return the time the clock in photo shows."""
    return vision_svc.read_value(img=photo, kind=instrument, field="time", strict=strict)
4:38
